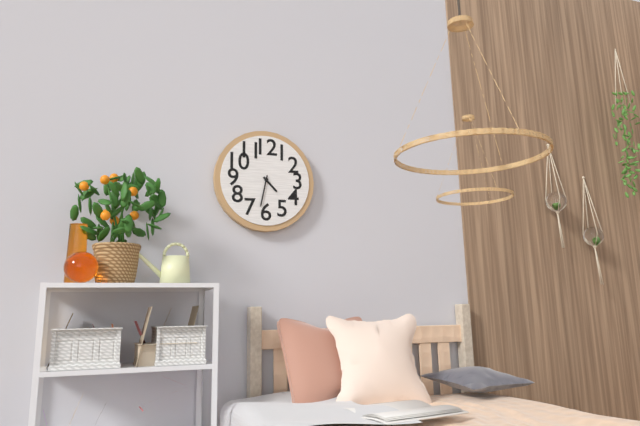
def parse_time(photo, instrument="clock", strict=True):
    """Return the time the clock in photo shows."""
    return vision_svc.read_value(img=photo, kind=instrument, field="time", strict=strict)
4:32
